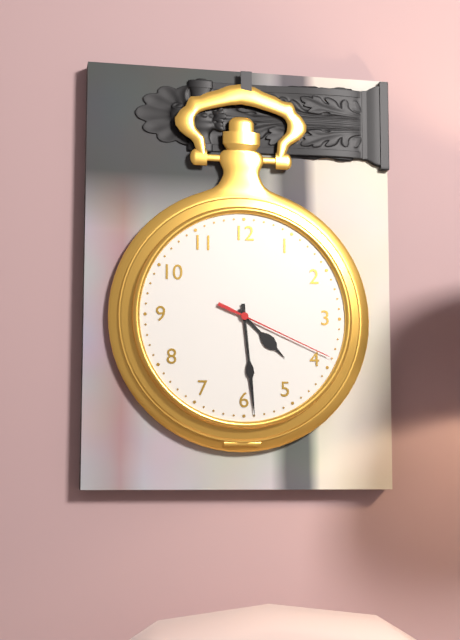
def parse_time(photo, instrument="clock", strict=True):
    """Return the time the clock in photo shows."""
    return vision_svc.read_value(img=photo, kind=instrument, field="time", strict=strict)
4:29:19
